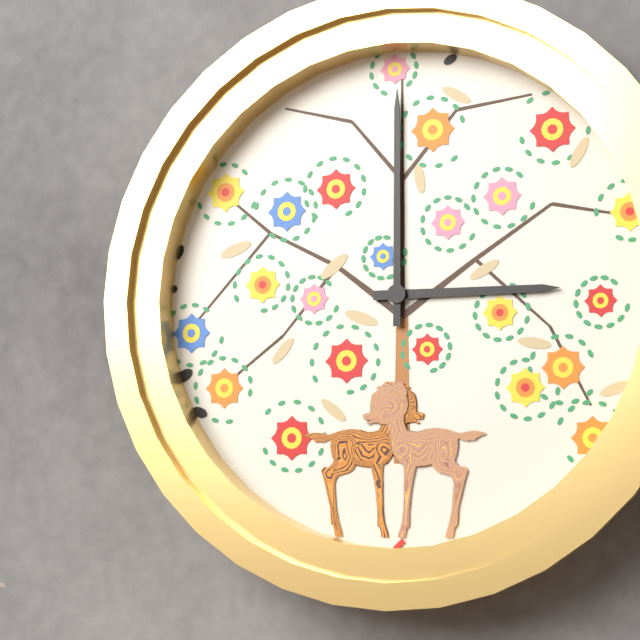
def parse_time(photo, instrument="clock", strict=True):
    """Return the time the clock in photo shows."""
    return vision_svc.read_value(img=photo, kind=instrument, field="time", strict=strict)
3:00
